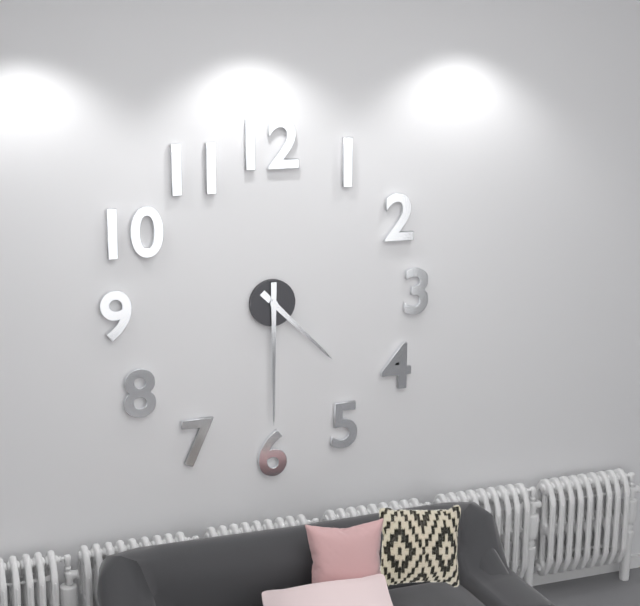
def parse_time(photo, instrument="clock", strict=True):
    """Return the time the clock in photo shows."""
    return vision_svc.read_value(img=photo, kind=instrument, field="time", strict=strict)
4:30
